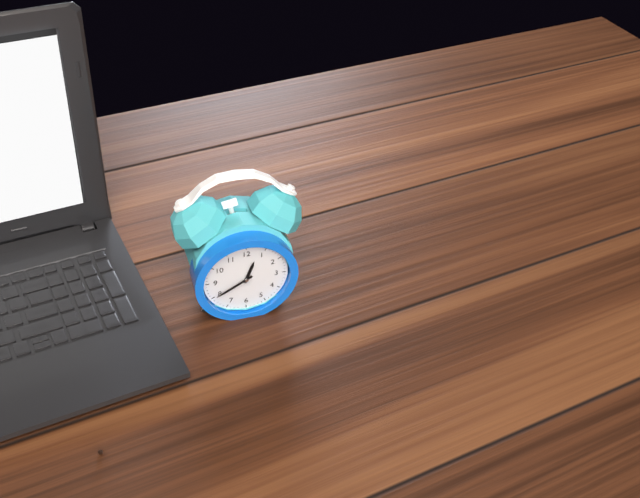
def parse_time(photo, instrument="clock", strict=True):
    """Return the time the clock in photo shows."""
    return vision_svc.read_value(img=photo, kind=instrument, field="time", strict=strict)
12:40
